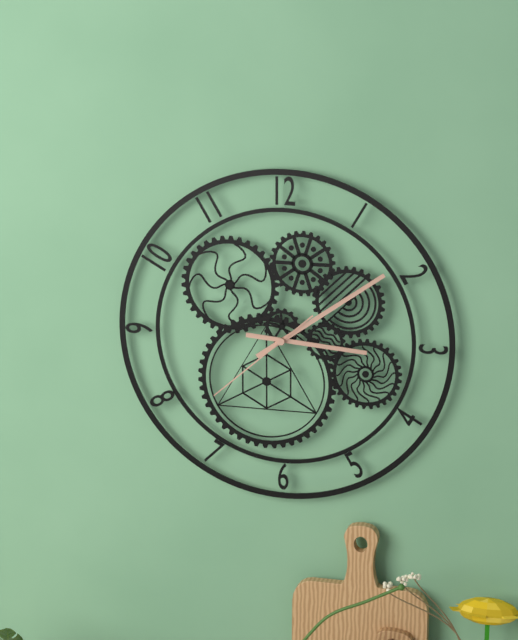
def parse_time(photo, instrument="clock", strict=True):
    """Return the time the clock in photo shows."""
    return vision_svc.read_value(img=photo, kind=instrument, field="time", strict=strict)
3:09:38
